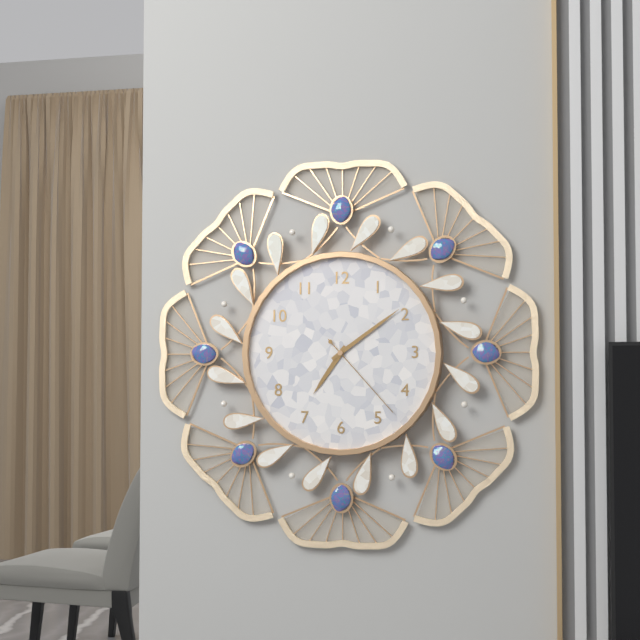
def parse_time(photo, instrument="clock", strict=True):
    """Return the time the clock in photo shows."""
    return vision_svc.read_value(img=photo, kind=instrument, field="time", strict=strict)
7:09:23
